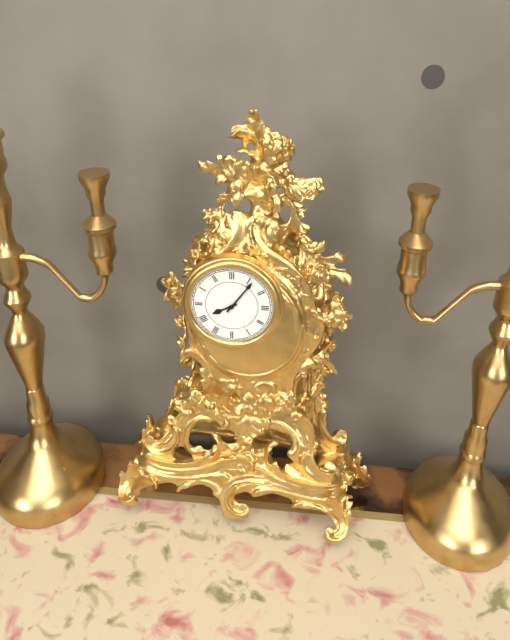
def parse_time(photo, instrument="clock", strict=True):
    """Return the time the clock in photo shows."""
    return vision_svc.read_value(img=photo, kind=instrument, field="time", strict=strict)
8:06
